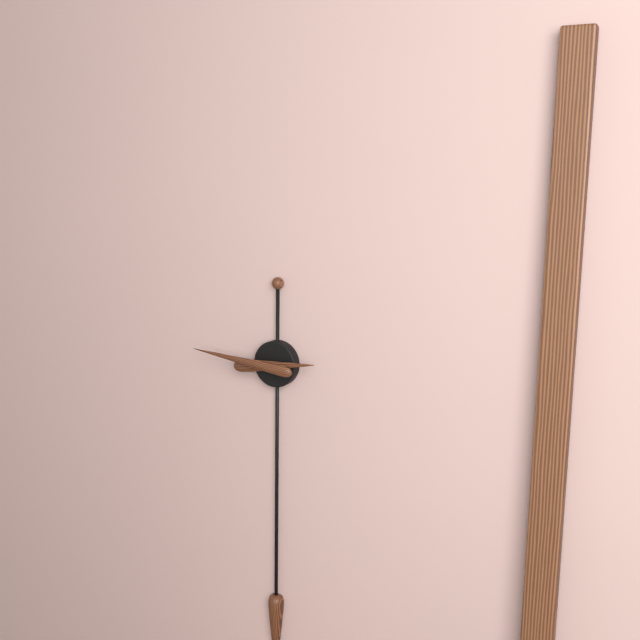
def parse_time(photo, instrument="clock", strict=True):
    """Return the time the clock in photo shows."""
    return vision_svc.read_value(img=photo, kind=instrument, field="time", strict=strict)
2:46
